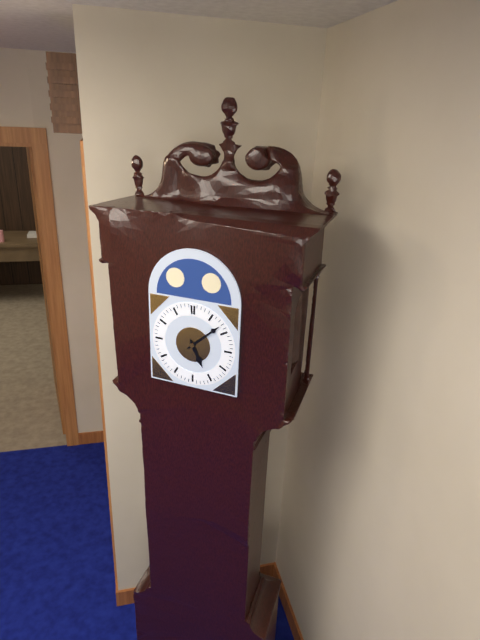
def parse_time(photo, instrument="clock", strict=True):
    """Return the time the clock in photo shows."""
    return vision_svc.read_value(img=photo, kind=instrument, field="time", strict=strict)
5:08
